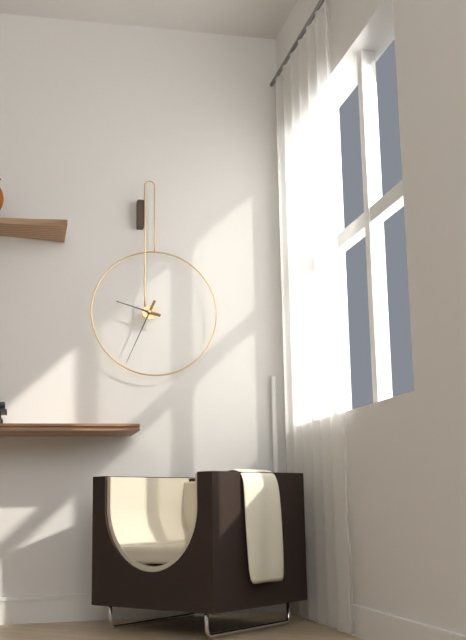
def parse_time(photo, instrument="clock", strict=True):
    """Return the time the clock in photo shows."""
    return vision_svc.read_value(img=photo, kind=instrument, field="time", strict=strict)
9:34
